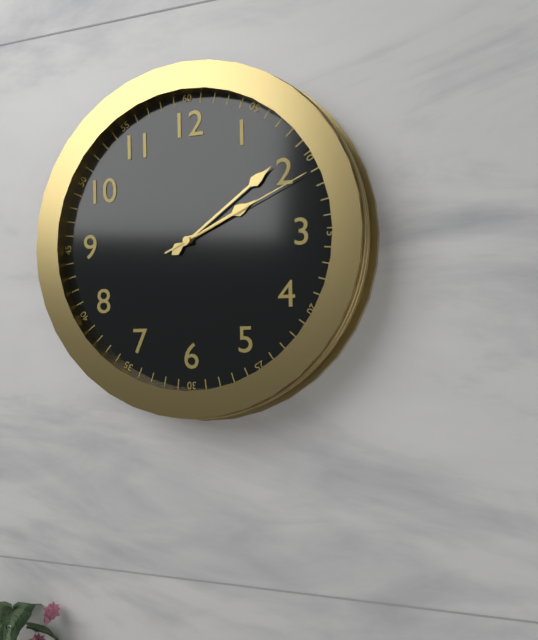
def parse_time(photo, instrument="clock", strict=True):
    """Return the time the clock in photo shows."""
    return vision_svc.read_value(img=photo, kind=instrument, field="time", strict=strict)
2:09:11
